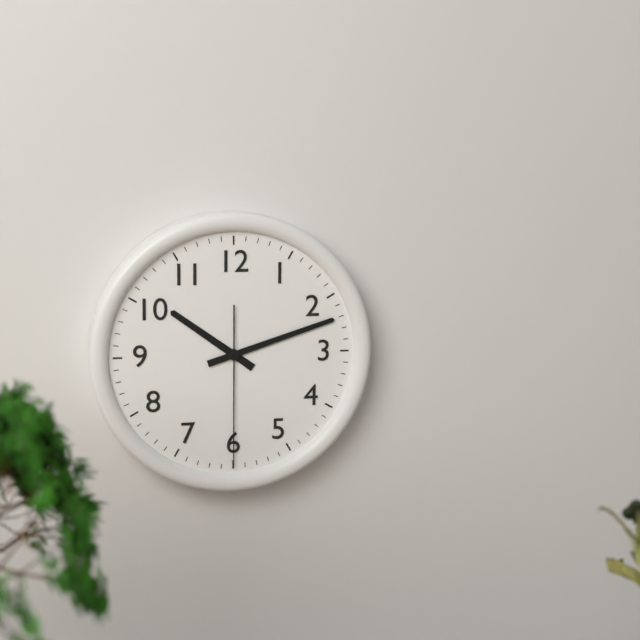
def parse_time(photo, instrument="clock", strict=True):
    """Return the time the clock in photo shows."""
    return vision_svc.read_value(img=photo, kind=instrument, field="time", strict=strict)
10:12:30
